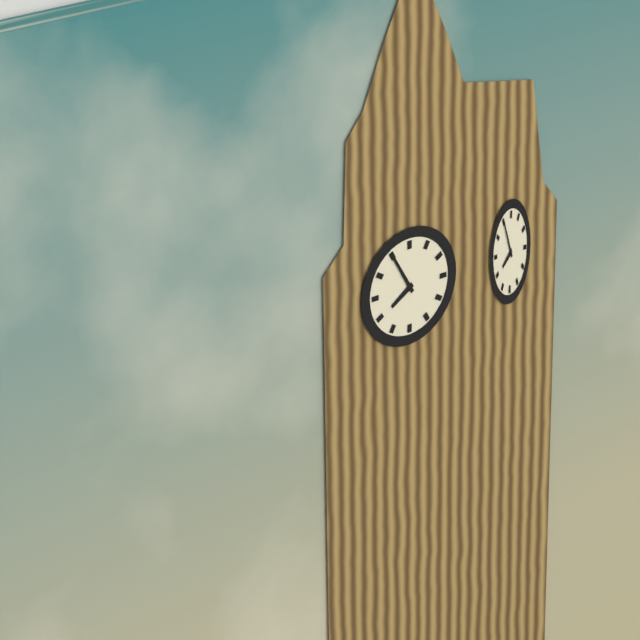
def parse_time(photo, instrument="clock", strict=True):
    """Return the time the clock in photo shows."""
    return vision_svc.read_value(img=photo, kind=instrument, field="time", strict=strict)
7:55
